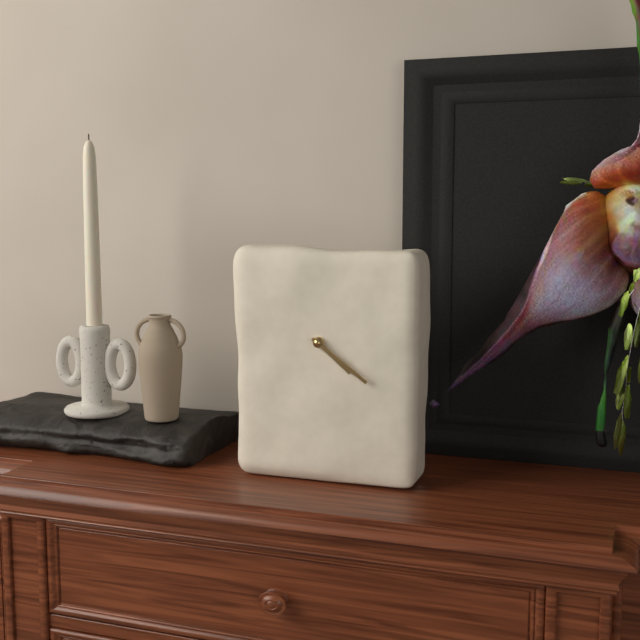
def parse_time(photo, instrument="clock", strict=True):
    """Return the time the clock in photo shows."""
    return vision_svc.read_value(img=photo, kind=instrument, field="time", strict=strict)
4:21
